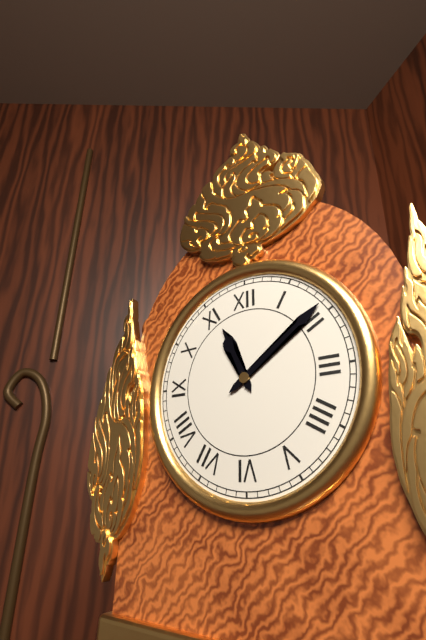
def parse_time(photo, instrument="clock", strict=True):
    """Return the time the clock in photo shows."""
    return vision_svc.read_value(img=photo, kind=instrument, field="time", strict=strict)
11:09
